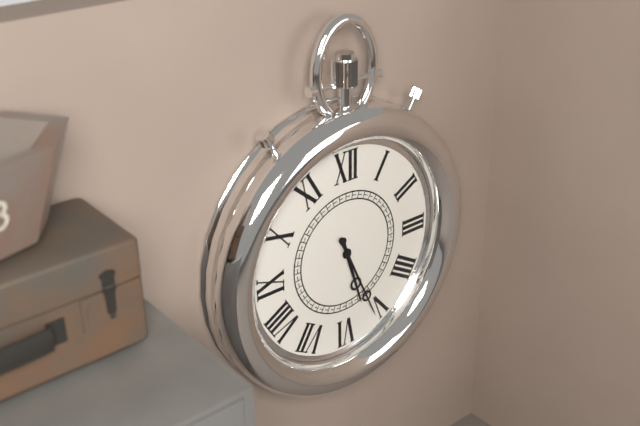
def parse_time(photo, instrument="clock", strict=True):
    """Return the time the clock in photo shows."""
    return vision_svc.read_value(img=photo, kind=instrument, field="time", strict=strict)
5:26
